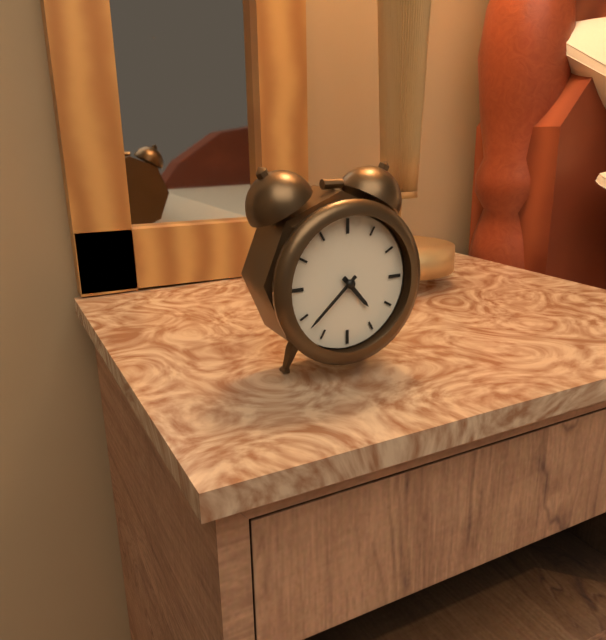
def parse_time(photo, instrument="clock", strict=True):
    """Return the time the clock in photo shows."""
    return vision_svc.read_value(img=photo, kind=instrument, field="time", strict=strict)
4:38
